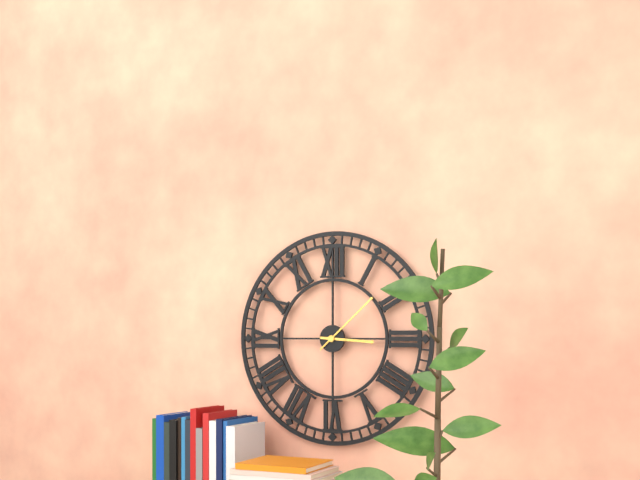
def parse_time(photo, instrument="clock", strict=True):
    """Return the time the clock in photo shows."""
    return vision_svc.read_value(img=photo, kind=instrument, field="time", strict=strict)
3:08
